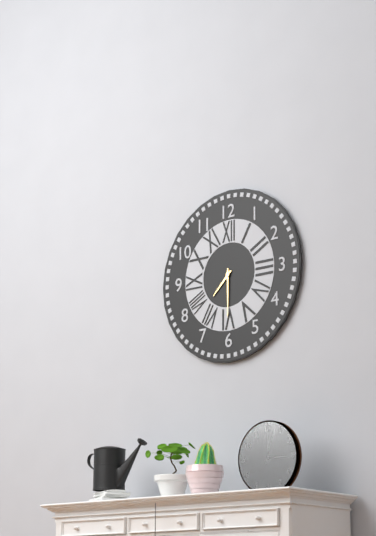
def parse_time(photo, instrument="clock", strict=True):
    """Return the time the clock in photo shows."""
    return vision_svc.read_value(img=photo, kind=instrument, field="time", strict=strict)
7:30
